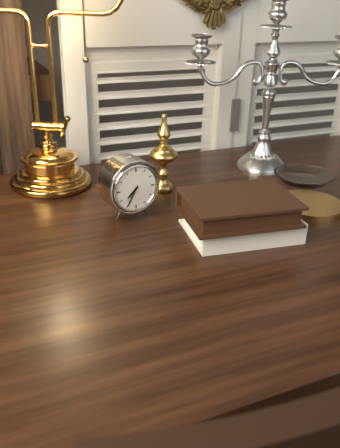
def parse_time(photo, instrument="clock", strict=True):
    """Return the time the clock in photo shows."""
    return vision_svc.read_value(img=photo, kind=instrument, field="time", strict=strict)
7:35
